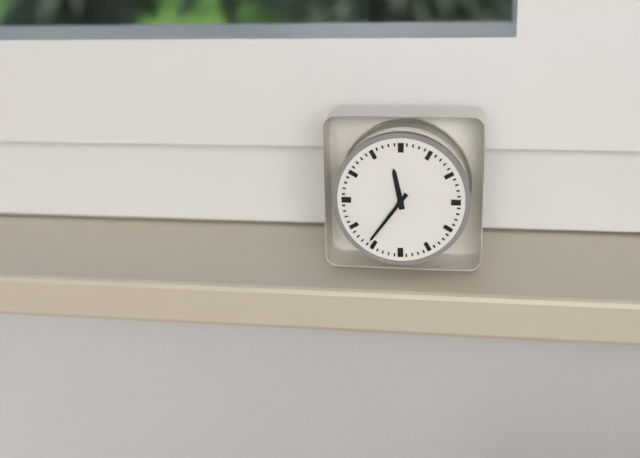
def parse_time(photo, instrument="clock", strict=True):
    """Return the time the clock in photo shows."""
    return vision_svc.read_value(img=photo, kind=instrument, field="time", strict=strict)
11:36
